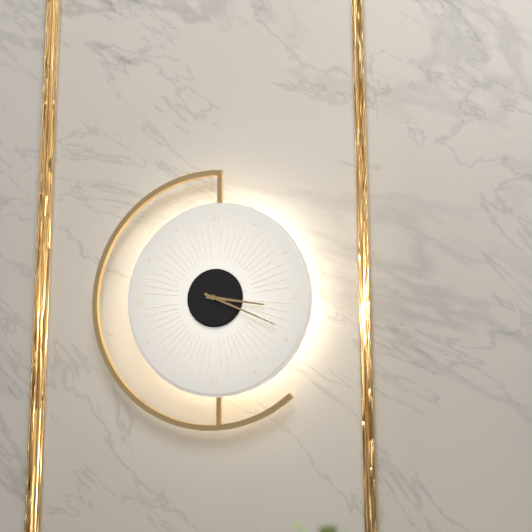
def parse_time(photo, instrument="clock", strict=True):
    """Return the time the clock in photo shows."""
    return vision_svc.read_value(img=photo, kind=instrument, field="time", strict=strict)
3:19
